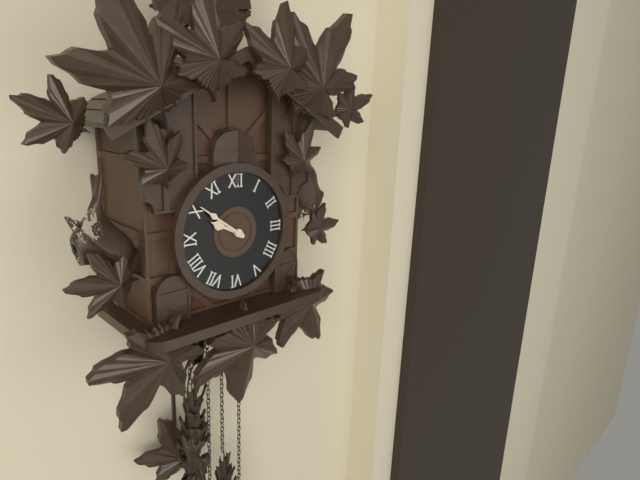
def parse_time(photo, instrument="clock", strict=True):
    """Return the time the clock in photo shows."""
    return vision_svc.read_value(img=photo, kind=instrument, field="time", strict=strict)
9:51
